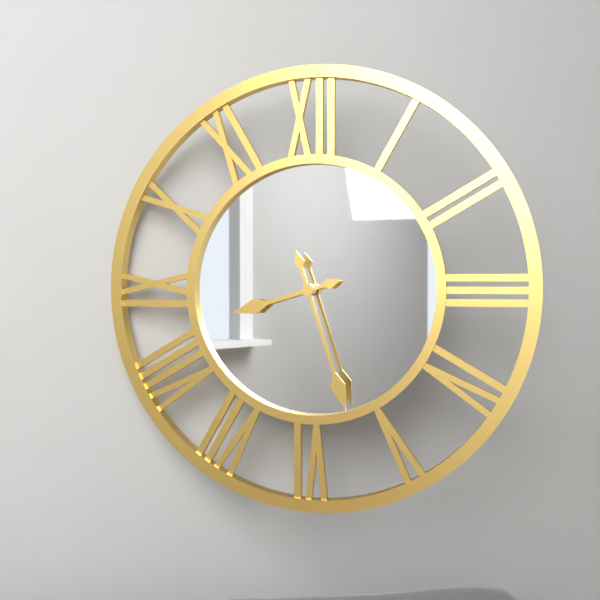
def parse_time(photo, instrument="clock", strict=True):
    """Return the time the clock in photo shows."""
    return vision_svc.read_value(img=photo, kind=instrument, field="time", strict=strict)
8:27
